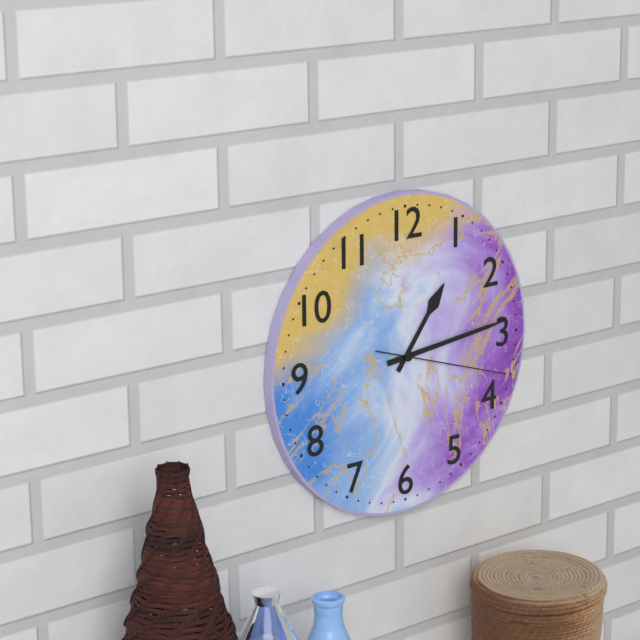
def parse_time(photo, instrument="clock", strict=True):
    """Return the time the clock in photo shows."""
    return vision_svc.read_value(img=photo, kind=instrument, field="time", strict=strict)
1:14:18
